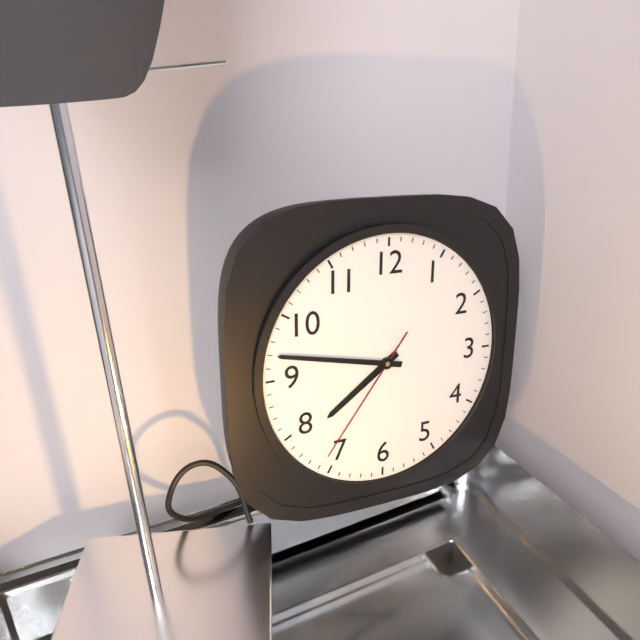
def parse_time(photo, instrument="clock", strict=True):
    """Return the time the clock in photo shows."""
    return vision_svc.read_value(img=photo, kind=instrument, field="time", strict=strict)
7:47:36
